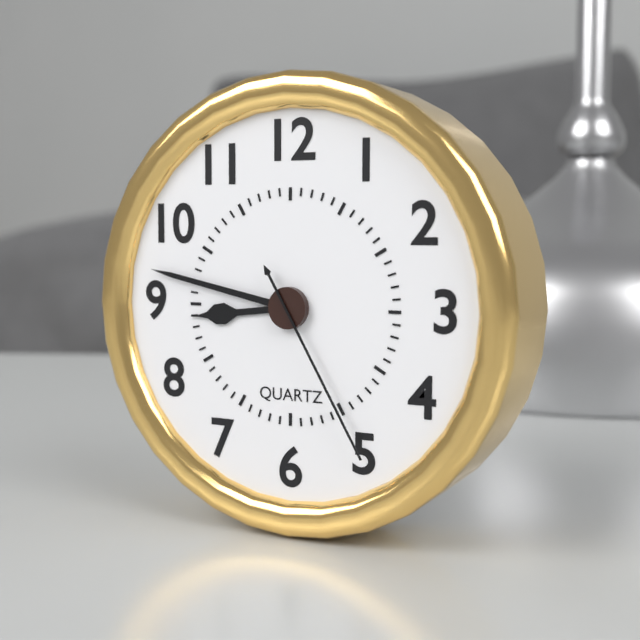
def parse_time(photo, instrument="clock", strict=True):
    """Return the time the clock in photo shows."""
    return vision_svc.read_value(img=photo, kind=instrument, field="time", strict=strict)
8:47:25
